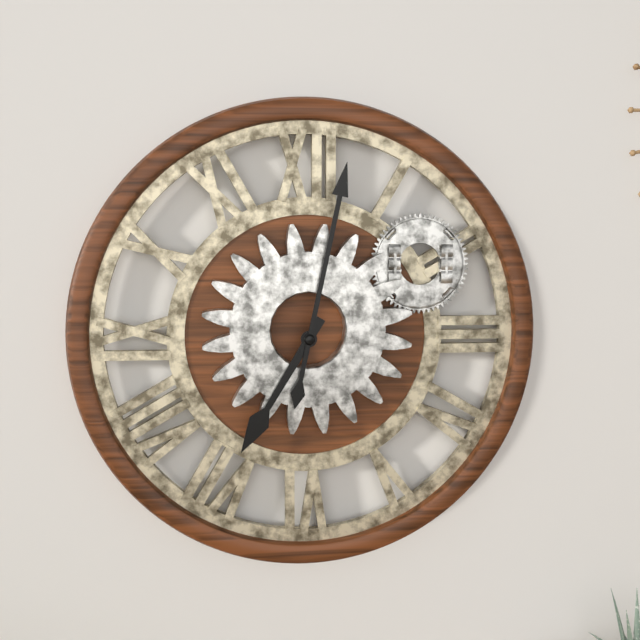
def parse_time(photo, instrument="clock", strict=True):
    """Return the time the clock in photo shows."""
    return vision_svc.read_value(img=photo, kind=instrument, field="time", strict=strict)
7:02
